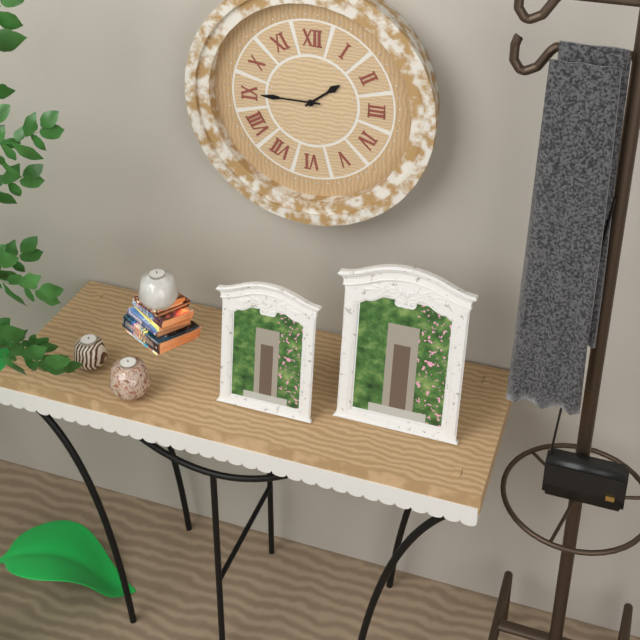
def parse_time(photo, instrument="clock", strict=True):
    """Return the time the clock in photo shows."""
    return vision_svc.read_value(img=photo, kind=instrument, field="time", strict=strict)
1:45
